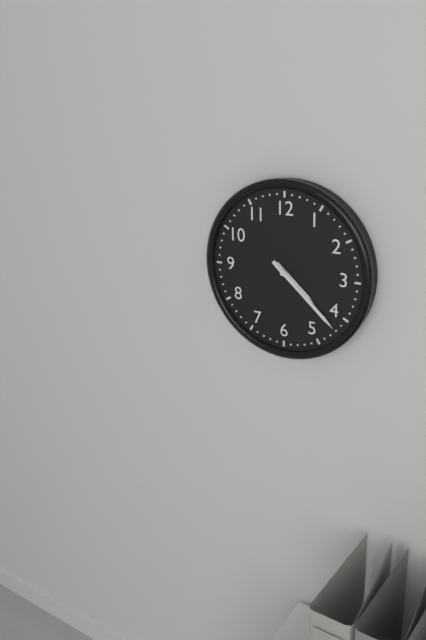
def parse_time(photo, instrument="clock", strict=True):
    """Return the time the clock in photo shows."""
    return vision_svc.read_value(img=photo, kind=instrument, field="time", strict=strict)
4:22
